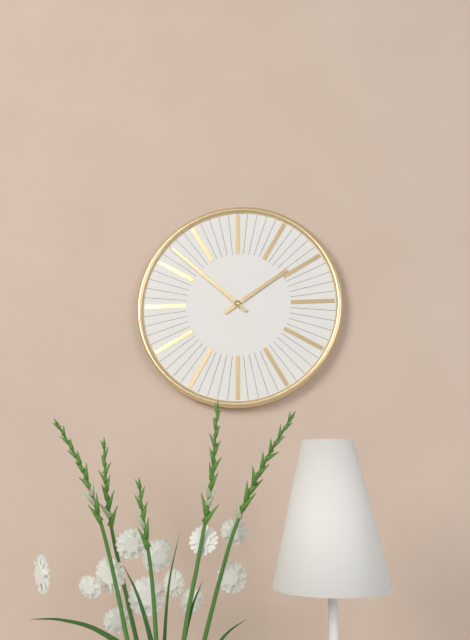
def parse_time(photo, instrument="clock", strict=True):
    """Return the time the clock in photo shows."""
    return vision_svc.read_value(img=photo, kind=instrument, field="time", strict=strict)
1:52
